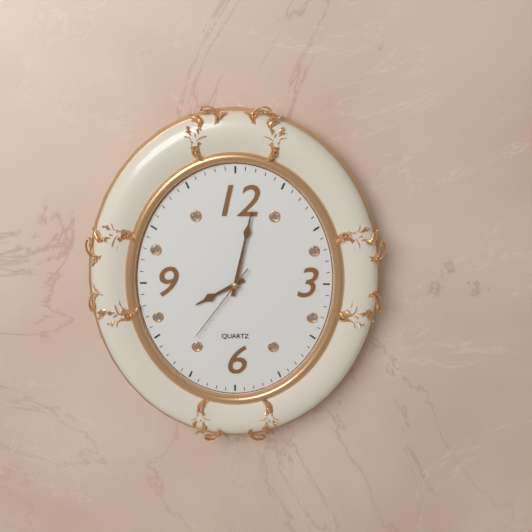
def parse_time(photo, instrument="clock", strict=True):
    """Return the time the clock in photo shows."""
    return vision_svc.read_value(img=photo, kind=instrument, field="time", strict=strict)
8:02:36
